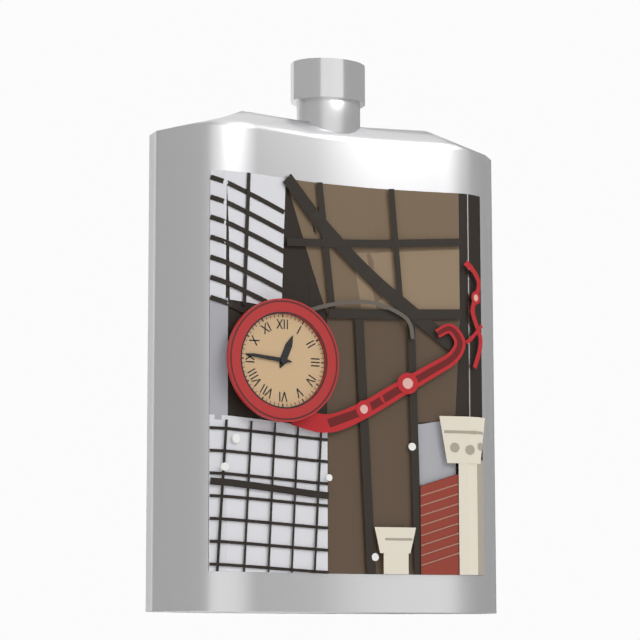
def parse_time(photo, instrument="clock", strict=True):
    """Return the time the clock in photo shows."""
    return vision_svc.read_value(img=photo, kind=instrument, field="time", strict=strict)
12:46
